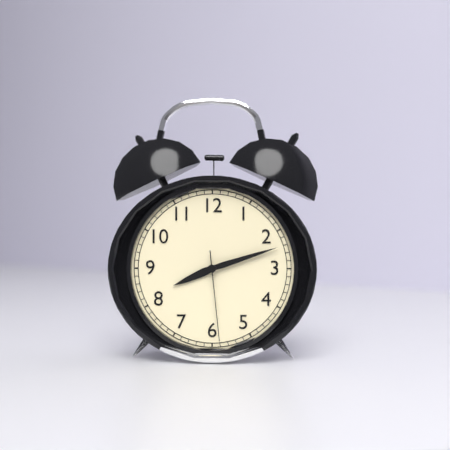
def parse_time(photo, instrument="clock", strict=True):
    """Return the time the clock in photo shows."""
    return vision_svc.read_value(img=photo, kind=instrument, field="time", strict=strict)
8:12:29
